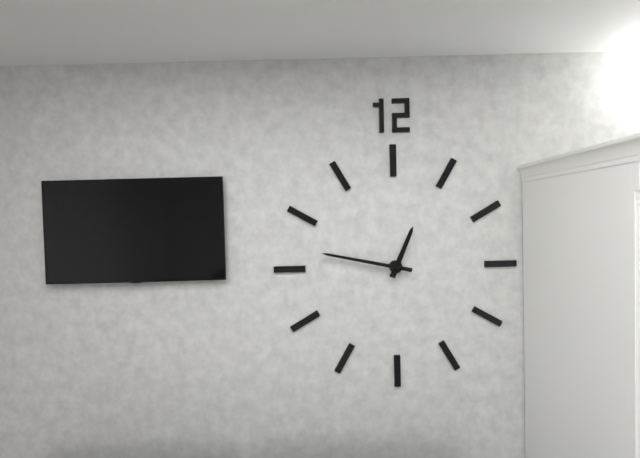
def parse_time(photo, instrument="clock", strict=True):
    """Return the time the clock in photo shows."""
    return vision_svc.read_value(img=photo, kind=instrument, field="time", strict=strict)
12:47
